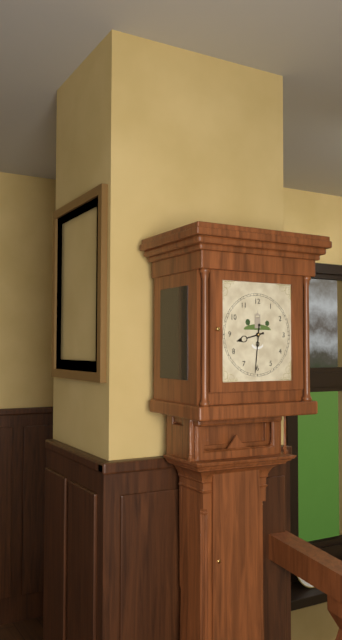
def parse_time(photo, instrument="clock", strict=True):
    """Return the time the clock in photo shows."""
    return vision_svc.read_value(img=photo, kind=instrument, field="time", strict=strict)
8:31
